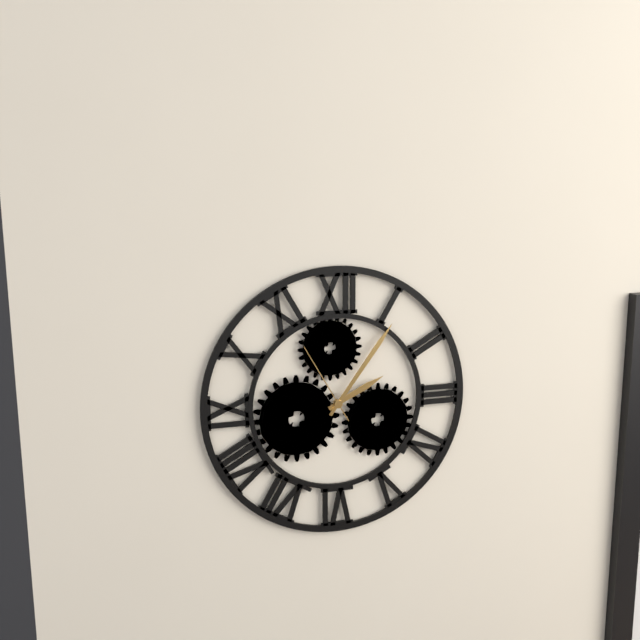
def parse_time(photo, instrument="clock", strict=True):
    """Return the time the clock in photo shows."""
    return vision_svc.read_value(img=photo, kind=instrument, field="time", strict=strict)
2:06:55
